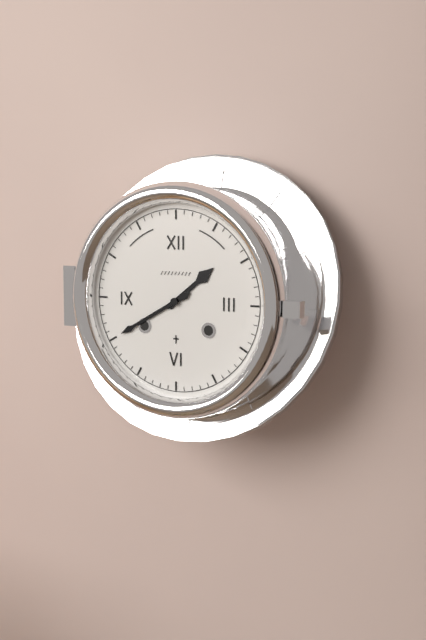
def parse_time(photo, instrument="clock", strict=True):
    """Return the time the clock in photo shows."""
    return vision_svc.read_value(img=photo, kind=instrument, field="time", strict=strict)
1:40
